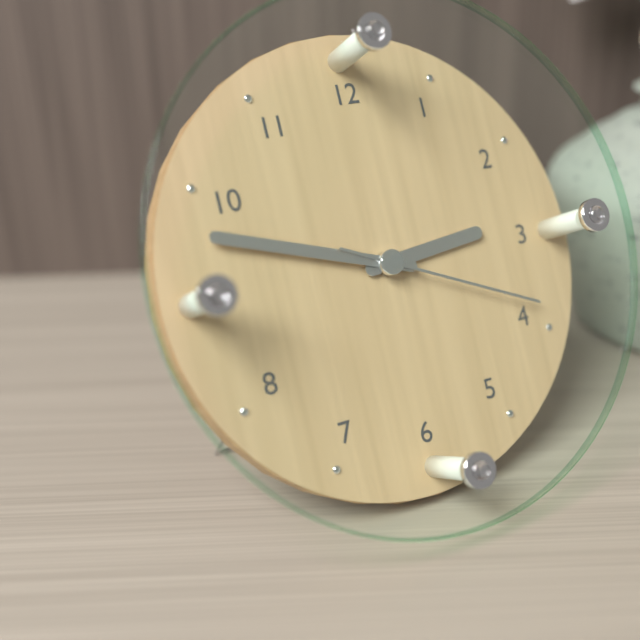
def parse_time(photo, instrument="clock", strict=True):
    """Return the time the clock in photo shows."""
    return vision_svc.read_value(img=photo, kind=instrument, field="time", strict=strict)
2:48:19
